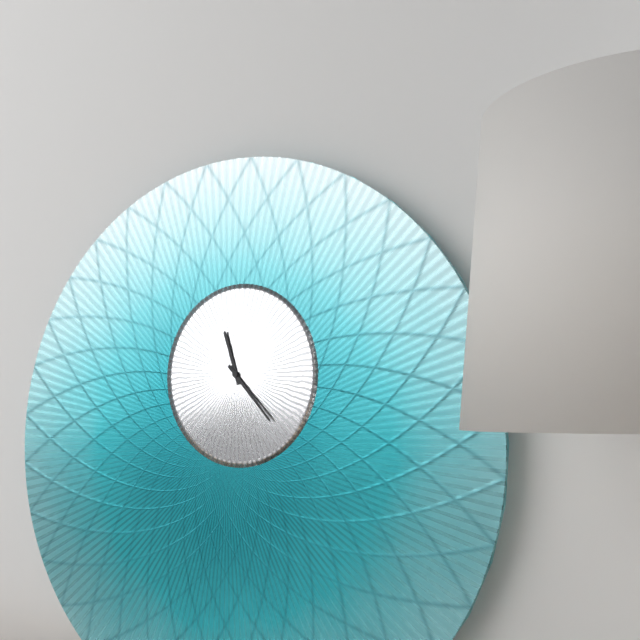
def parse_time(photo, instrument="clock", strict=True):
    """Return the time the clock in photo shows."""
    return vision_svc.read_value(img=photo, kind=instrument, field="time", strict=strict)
11:23
